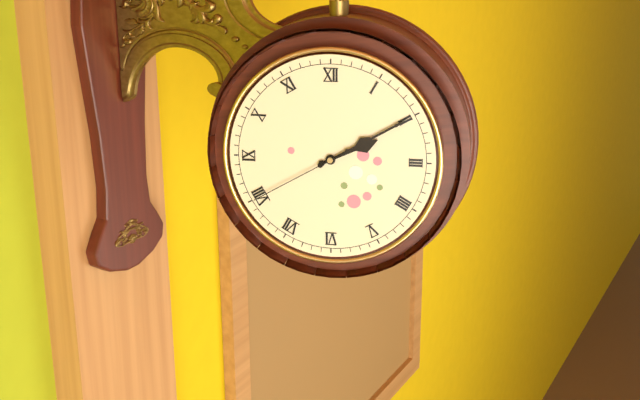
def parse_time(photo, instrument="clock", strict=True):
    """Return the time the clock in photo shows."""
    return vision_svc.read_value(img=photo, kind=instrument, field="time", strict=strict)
2:10:40
